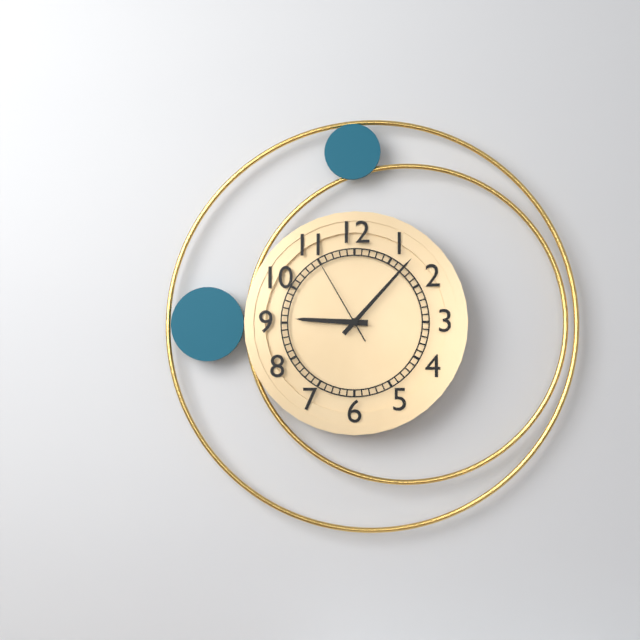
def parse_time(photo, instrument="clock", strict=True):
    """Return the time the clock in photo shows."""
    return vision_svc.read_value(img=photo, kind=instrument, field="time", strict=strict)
9:07:55
